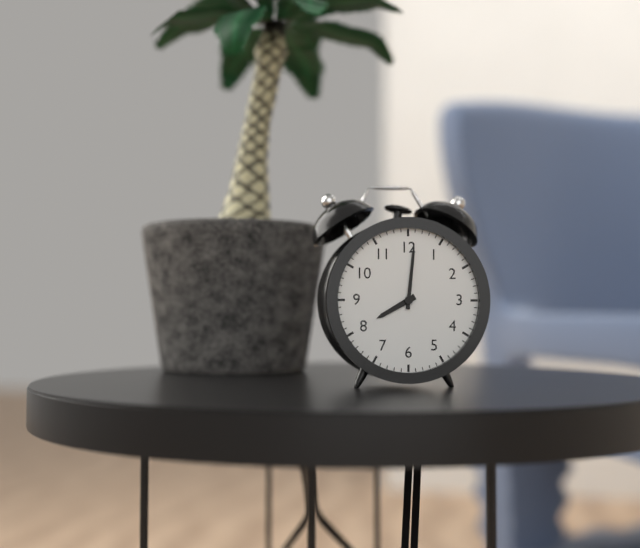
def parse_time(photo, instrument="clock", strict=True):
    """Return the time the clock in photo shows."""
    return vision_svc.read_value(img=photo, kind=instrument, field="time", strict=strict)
8:01
